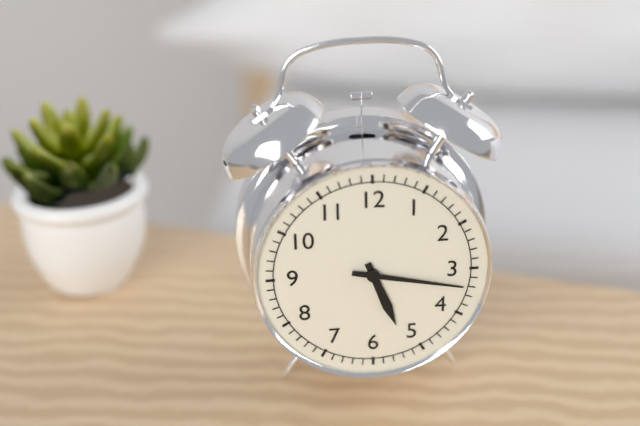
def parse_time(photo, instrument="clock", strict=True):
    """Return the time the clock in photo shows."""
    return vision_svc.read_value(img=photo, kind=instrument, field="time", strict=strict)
5:17
